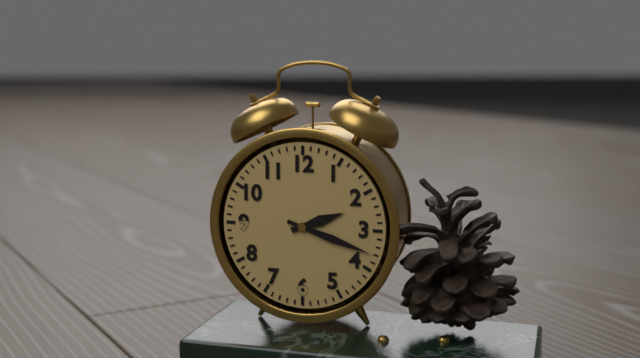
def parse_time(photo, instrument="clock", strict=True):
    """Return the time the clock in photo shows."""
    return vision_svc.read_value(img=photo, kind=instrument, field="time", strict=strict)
2:18
